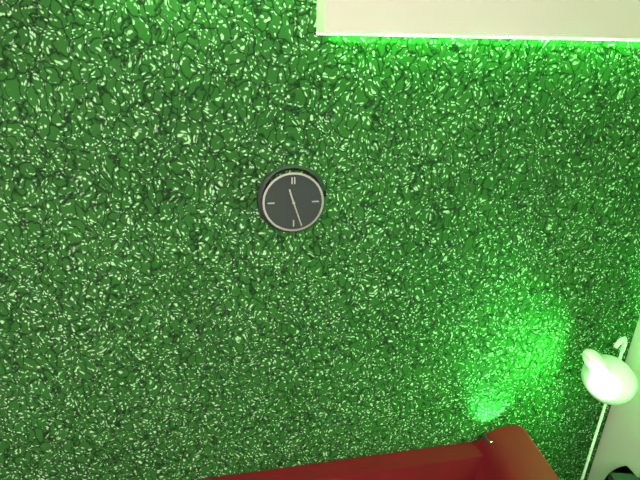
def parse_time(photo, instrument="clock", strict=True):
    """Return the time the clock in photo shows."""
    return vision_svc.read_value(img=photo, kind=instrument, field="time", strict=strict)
11:27
